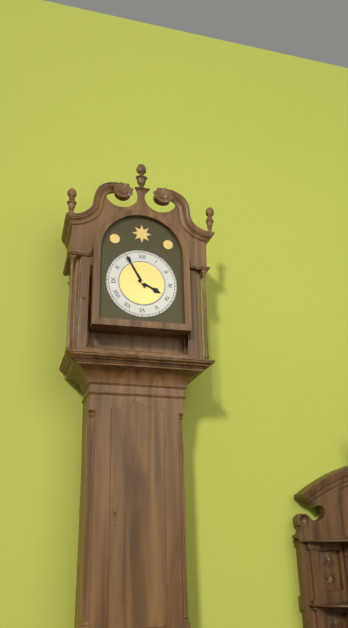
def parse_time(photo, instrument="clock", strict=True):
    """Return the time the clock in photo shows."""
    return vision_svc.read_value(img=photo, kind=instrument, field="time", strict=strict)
3:55
